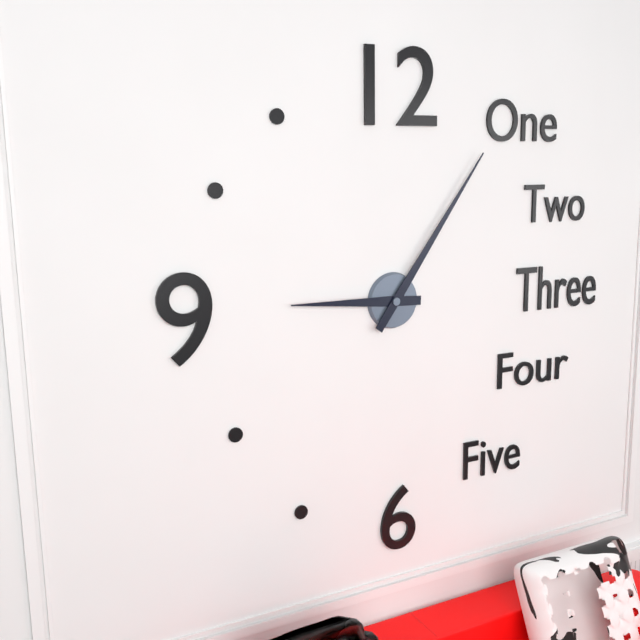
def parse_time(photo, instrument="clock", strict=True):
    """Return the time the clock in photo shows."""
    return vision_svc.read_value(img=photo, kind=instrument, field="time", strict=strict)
9:06
